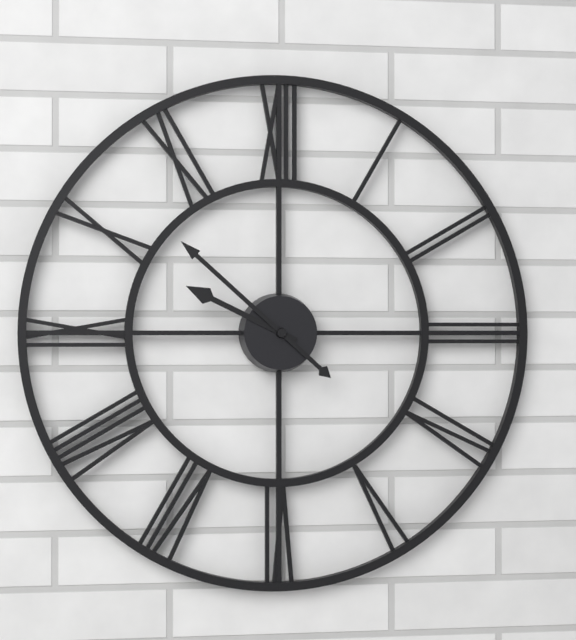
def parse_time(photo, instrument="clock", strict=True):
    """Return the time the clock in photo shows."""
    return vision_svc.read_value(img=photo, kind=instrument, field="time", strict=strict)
9:52
